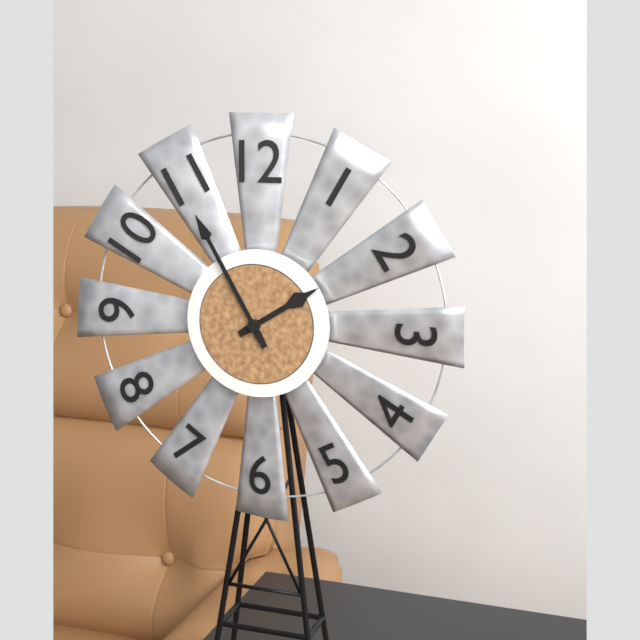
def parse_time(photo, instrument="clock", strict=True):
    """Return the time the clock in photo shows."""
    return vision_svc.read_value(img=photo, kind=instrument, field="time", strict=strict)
1:55
